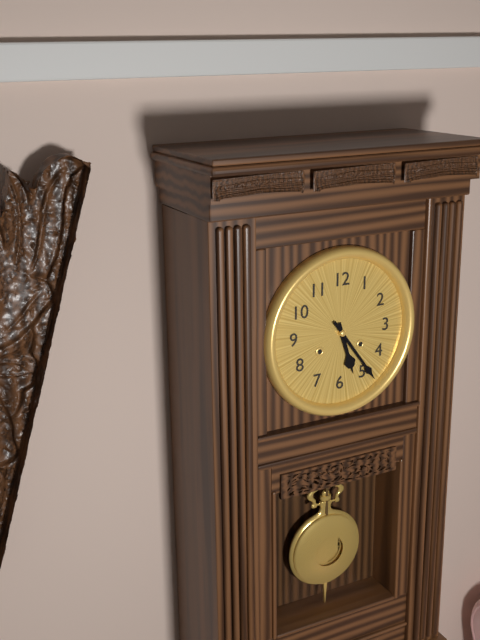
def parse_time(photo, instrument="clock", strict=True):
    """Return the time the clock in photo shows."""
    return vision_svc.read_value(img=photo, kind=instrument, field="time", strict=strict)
5:24
